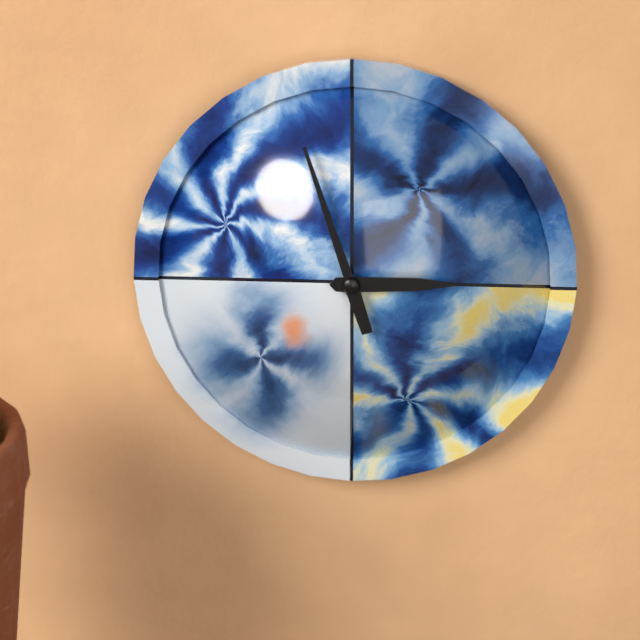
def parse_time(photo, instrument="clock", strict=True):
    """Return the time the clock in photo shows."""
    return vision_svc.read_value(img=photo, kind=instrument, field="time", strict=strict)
2:57
